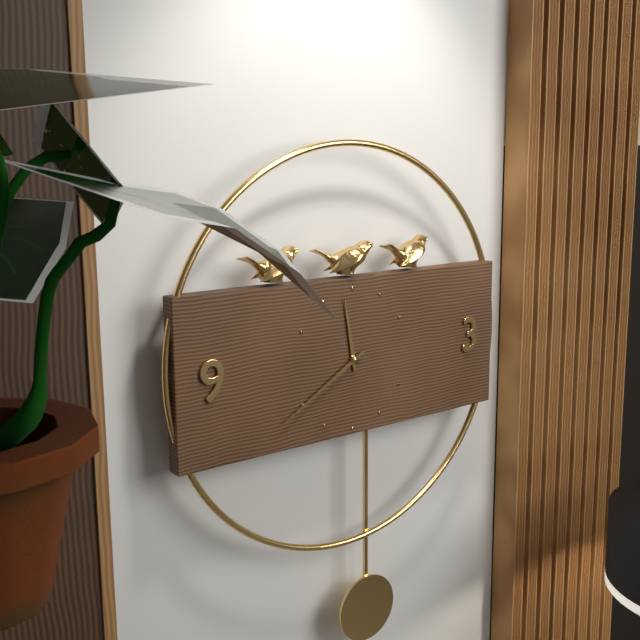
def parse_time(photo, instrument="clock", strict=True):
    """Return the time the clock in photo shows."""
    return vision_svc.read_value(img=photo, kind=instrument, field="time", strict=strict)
11:40
